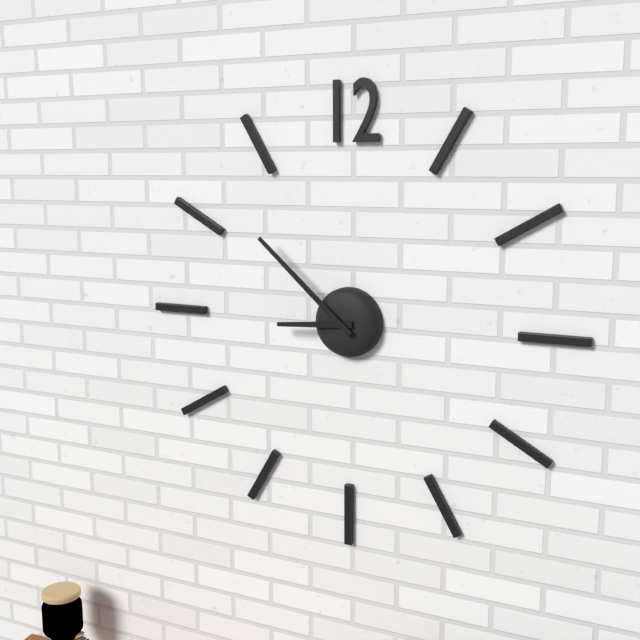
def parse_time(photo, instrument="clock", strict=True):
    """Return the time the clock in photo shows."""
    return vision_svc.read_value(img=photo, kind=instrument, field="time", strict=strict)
8:52
